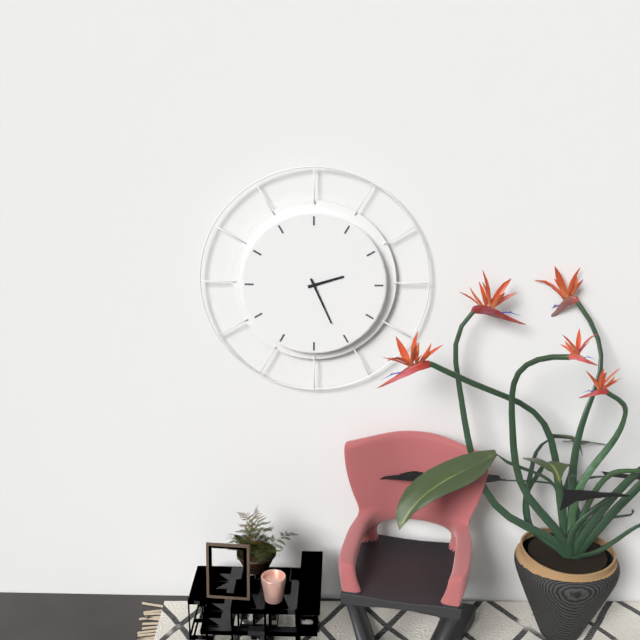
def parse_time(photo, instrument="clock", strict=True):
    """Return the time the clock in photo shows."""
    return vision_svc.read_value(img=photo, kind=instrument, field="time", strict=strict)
2:26
